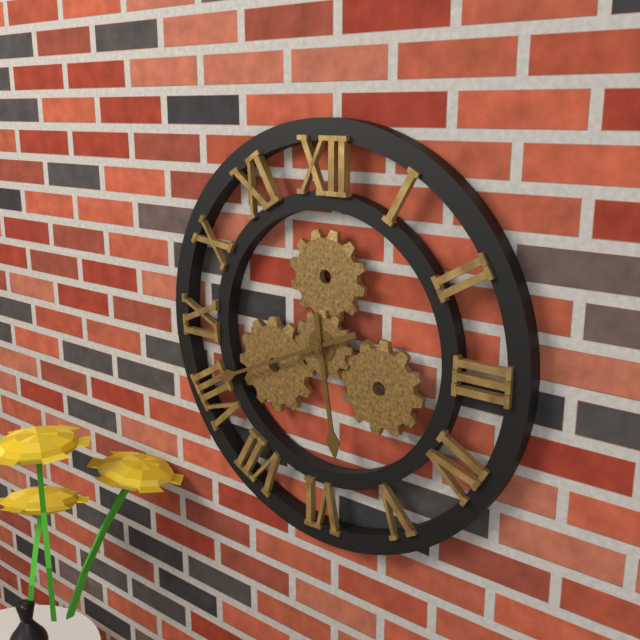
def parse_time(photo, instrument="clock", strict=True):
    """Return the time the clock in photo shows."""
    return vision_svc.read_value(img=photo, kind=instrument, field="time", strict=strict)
5:41
